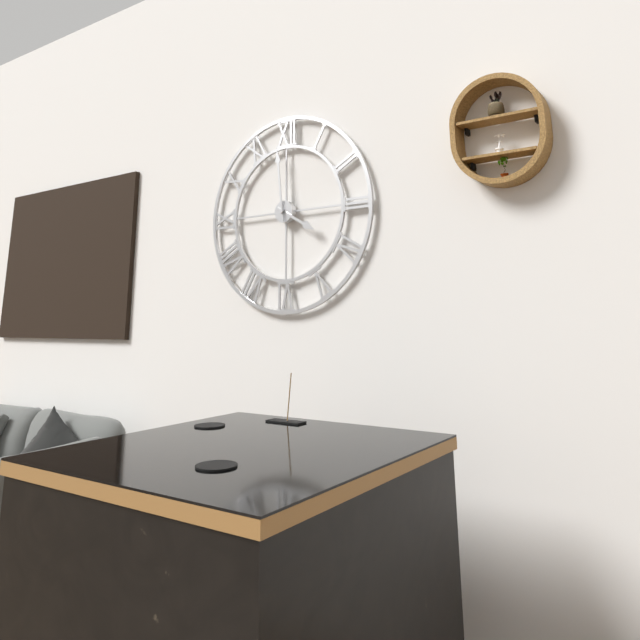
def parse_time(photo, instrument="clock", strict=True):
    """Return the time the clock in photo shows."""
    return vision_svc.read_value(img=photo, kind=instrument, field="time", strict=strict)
3:59
